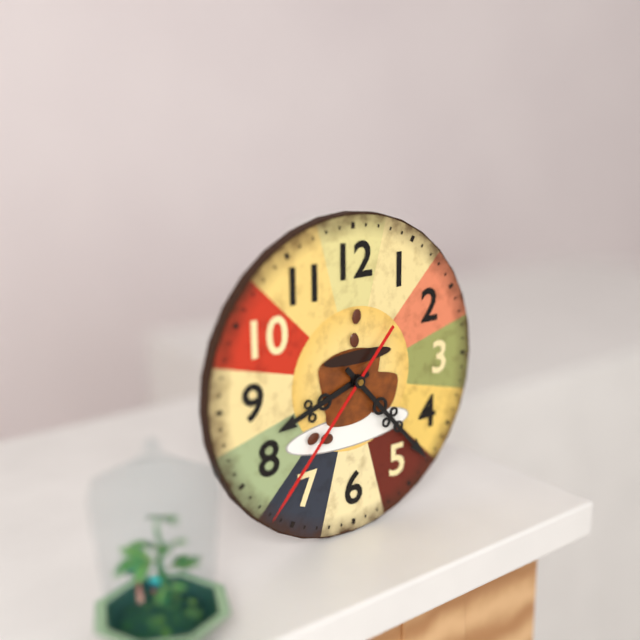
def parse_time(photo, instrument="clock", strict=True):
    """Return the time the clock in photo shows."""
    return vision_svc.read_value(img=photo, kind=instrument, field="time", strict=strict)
8:23:37
